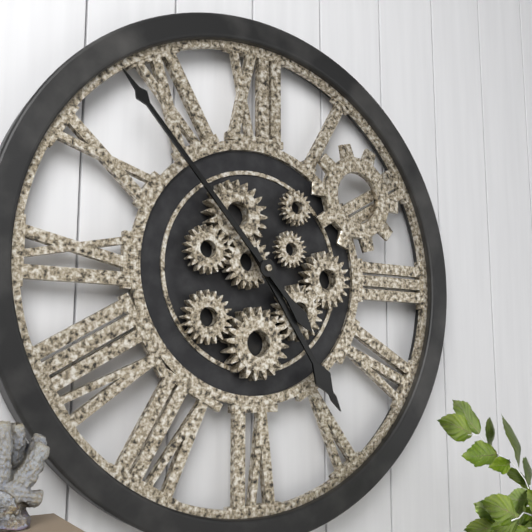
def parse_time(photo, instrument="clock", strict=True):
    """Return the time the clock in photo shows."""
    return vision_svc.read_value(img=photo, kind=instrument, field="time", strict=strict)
4:53
